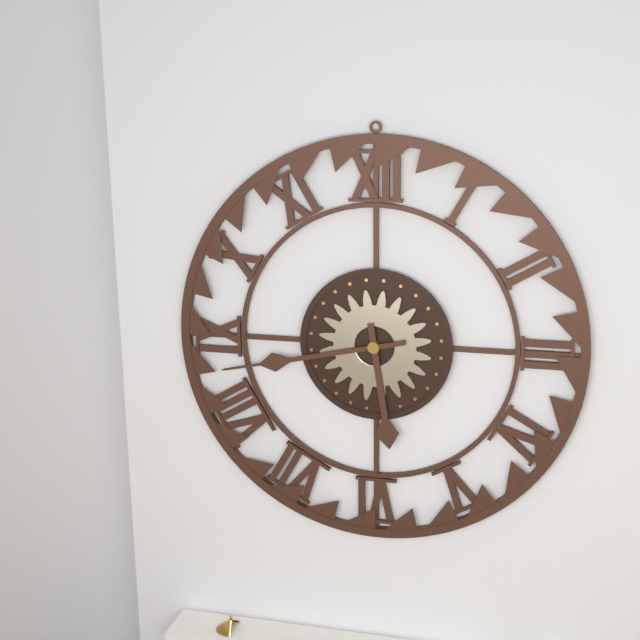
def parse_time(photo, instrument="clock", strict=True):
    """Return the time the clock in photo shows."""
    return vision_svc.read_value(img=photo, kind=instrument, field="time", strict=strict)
5:43
